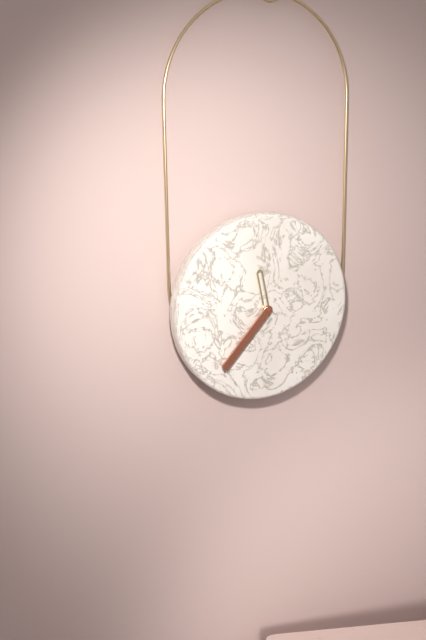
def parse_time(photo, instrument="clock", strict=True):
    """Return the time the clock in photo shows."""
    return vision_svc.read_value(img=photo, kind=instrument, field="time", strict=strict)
11:37
